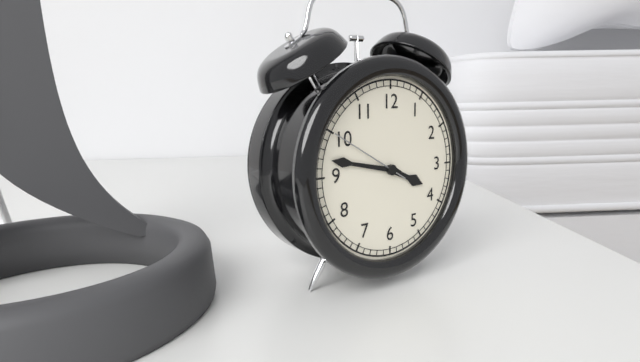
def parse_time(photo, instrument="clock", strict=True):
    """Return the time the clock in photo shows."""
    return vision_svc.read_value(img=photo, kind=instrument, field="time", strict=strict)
3:47:50
